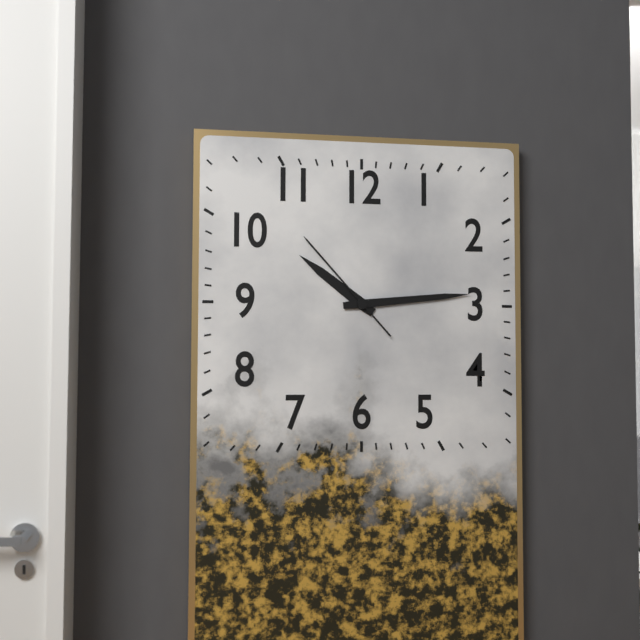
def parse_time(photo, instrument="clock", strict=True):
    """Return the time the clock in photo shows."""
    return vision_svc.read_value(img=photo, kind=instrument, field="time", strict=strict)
10:14:53
